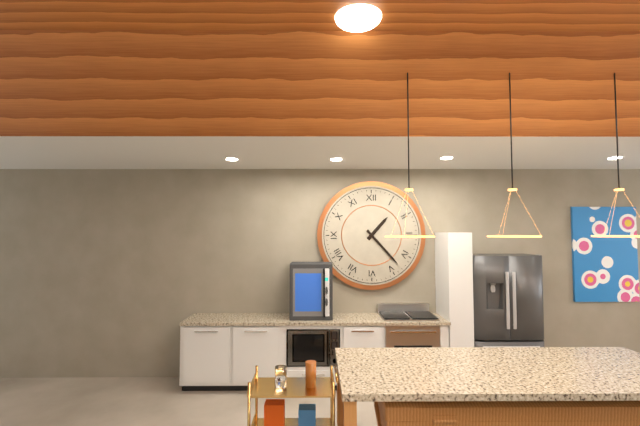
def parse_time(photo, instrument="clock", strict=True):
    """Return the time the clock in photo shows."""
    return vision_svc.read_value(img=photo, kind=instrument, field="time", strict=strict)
1:23
